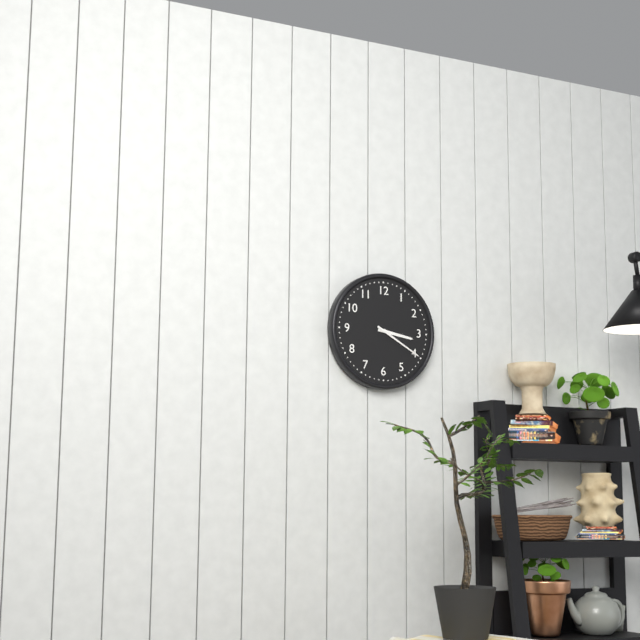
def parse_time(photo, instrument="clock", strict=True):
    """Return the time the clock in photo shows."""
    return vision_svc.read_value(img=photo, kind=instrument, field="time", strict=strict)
3:20
